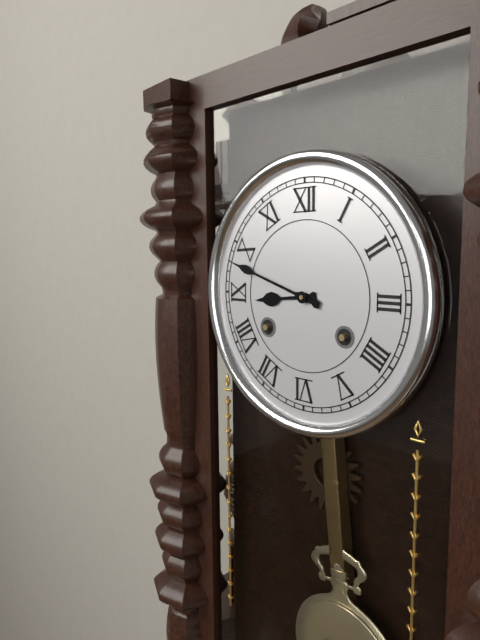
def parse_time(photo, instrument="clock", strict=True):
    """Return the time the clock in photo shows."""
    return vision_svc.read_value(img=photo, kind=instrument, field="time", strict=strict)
8:48
